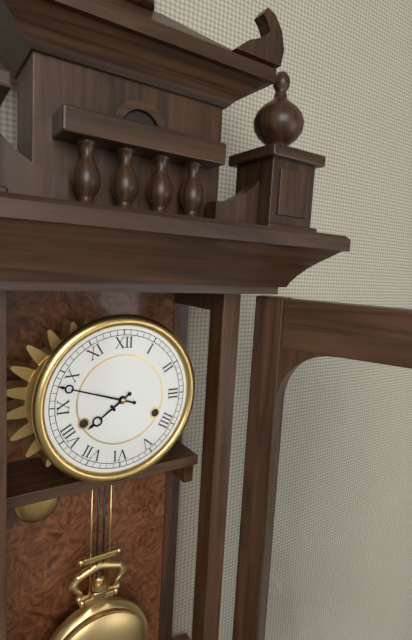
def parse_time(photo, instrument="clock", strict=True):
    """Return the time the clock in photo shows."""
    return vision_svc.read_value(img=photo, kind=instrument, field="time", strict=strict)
7:48
